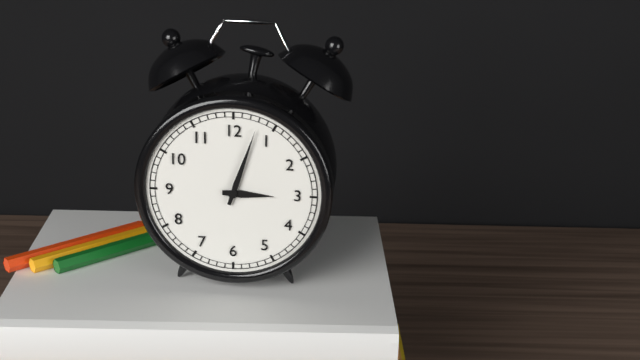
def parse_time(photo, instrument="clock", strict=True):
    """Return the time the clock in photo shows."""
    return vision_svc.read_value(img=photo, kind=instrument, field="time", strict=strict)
3:03
